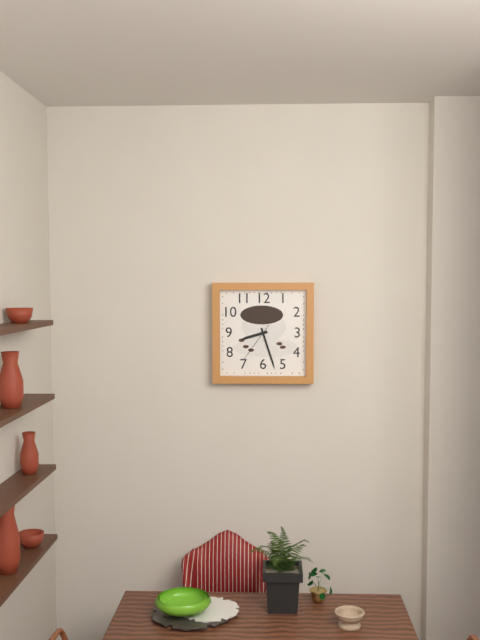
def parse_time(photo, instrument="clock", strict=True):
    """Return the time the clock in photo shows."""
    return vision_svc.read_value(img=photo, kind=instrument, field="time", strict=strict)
8:27
